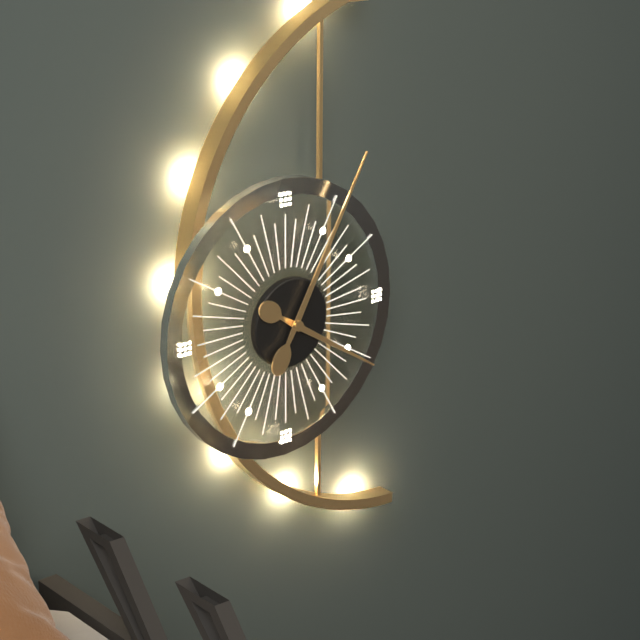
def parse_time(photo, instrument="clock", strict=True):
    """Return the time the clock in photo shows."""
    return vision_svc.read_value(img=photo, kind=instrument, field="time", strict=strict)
4:05
